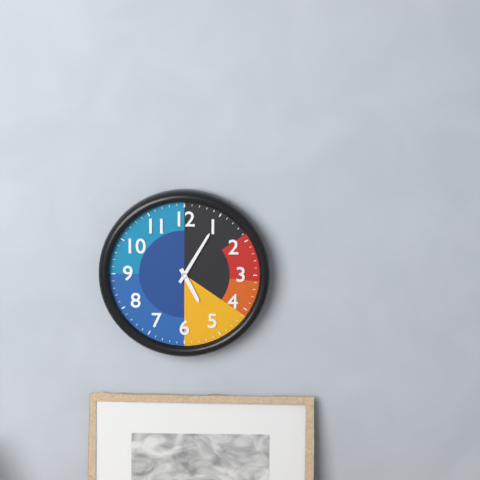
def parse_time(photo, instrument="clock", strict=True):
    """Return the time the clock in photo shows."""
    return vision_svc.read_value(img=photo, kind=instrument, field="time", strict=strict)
5:05
